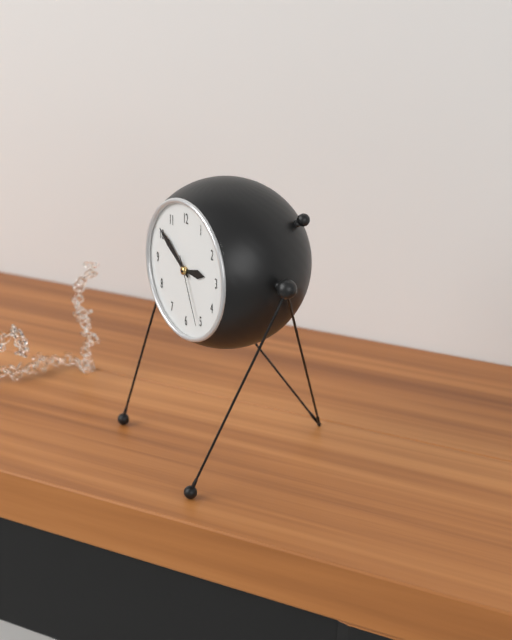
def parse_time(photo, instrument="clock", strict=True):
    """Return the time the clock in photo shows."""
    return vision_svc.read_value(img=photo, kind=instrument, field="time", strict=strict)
2:51:26
